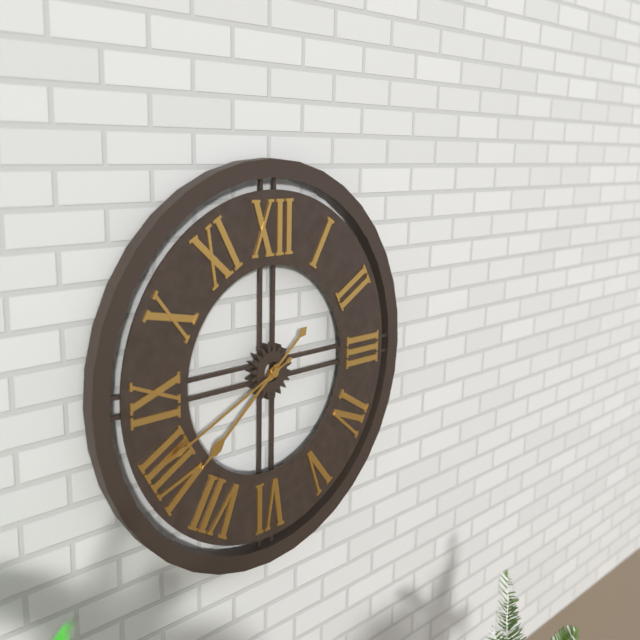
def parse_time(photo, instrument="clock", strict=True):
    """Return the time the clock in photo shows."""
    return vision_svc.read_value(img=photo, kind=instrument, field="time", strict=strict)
7:41
